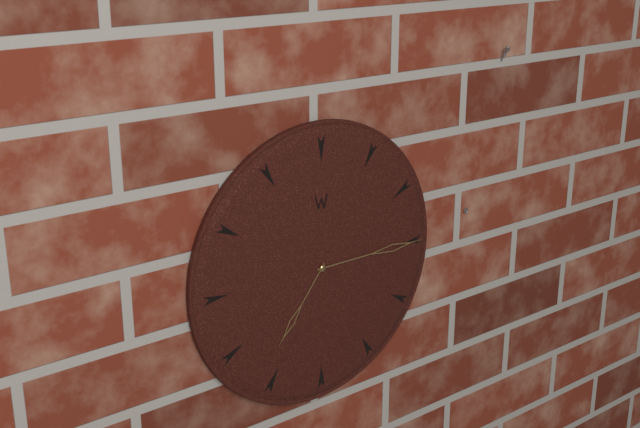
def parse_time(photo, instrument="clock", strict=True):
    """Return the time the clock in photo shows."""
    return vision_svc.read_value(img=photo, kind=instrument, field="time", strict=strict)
7:15
